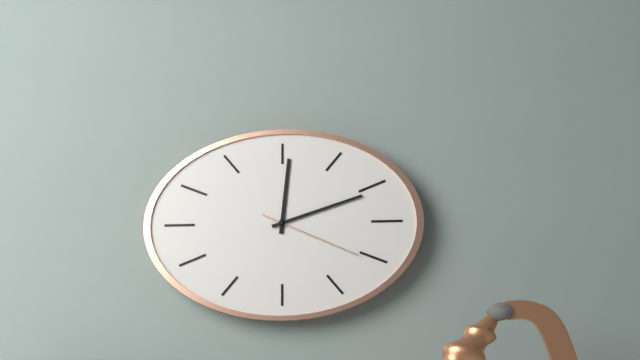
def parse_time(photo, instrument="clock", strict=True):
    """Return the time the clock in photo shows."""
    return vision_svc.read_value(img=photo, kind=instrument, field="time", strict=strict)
12:12:19
